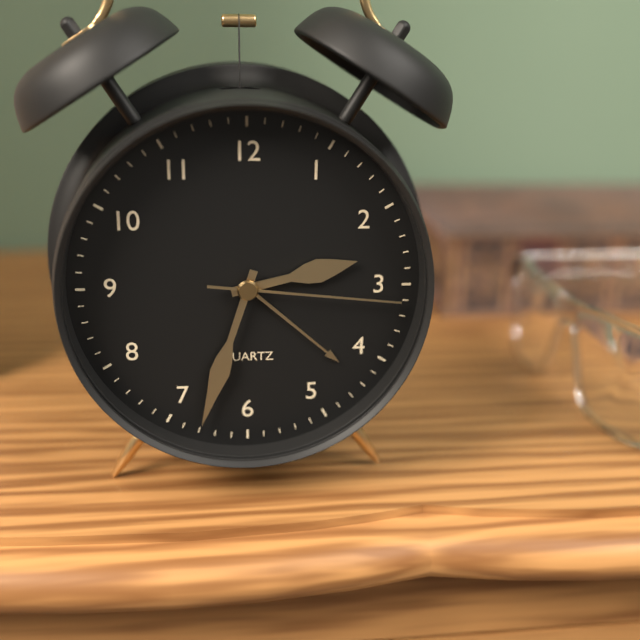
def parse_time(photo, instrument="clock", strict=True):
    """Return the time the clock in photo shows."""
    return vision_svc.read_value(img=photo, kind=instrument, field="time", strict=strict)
2:33:16
